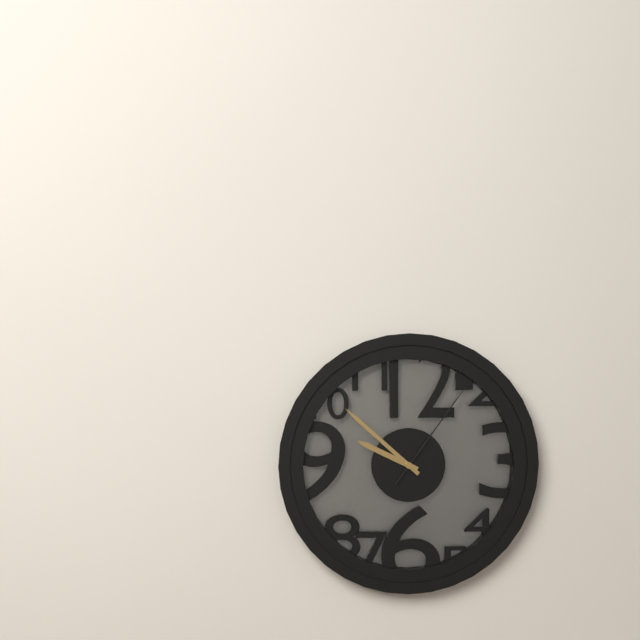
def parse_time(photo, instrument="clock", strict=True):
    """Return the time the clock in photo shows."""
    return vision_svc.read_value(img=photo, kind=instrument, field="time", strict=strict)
9:52:06
